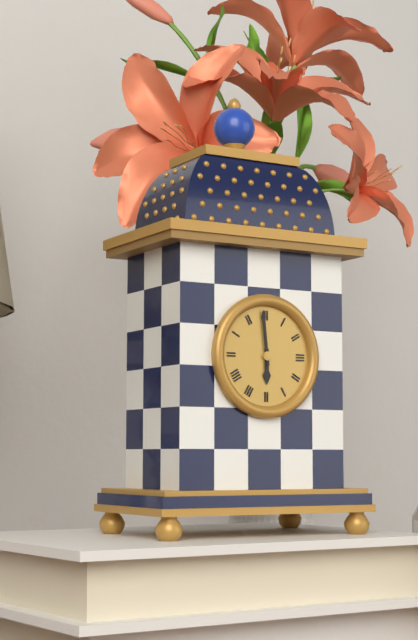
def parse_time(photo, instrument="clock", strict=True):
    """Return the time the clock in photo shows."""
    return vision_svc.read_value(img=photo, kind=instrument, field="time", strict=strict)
5:59
